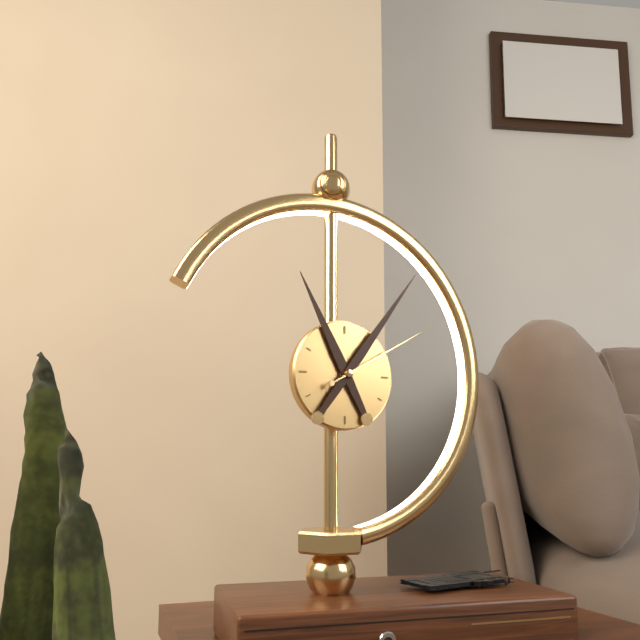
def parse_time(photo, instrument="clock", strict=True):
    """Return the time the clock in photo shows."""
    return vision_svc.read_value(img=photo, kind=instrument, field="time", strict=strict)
11:06:10
